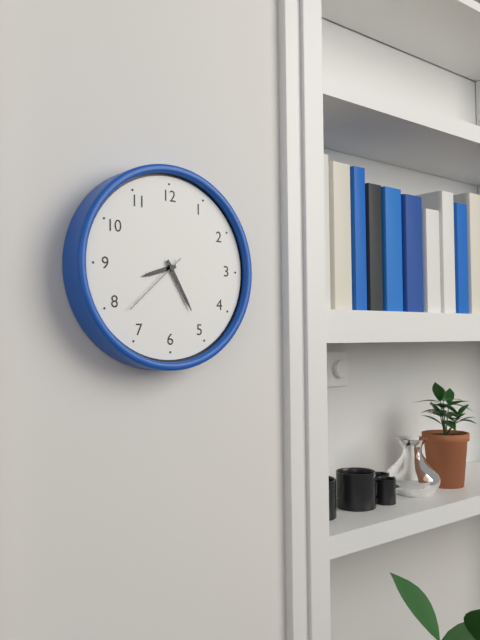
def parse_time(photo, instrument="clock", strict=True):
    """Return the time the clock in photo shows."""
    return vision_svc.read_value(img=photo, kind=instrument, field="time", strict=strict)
8:25:38
